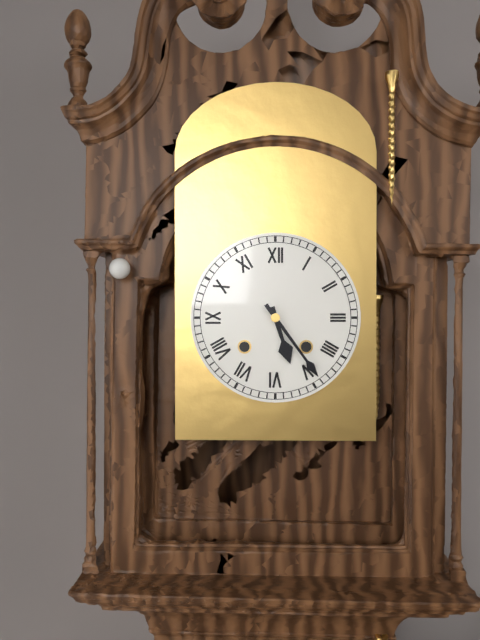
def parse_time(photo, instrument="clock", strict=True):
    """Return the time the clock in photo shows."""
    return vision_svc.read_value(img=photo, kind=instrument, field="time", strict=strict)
5:24
